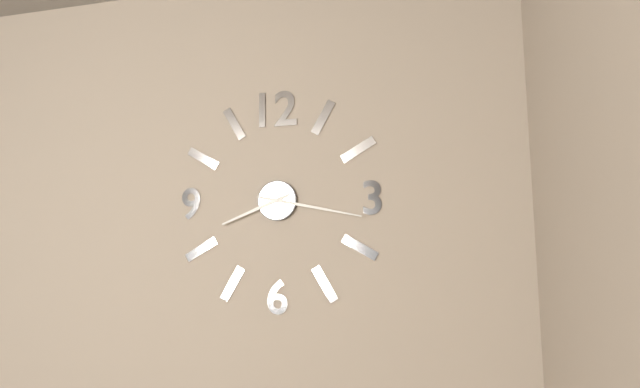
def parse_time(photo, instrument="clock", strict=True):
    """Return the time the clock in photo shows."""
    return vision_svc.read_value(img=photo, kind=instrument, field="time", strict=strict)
8:17
